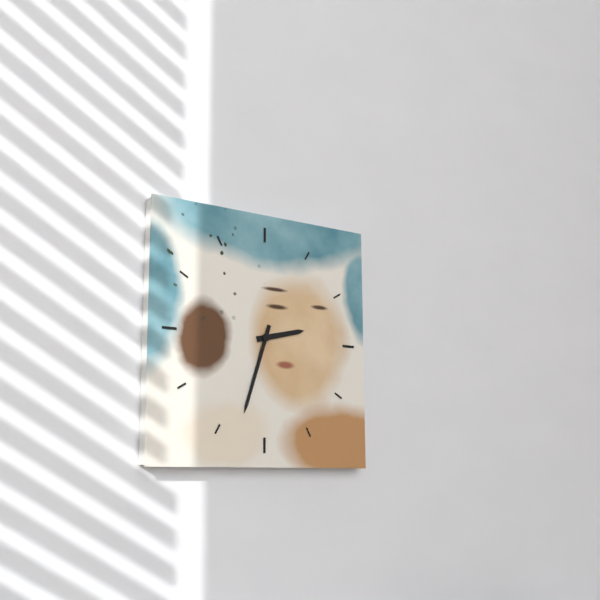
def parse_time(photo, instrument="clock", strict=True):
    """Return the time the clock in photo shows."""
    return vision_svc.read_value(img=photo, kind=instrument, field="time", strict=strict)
2:33
